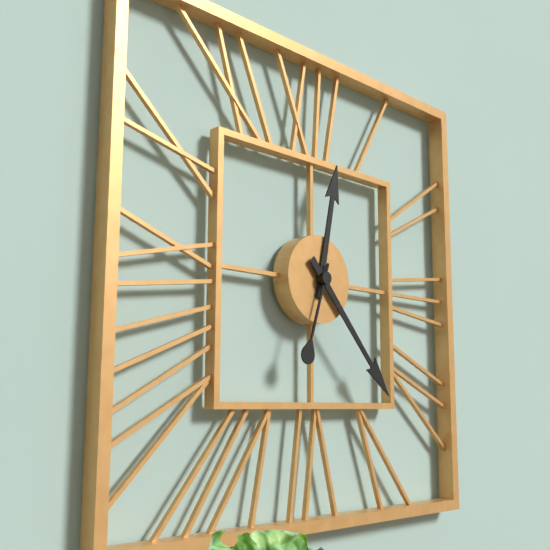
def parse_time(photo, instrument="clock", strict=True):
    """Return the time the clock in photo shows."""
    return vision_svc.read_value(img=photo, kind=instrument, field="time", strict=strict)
12:23:33
